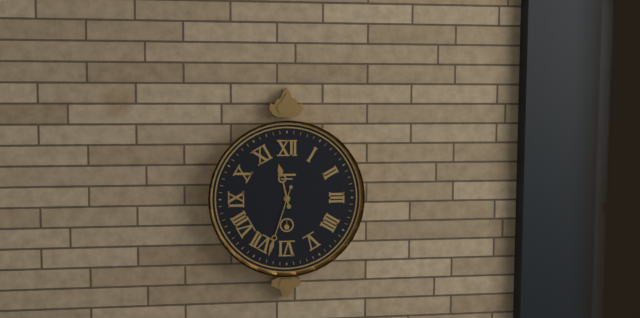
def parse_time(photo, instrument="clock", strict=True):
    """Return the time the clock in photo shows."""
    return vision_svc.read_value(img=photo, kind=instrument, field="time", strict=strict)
11:33
